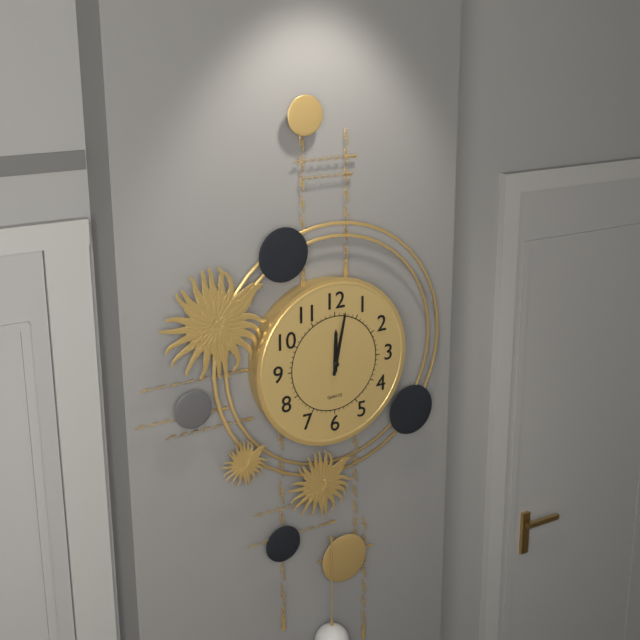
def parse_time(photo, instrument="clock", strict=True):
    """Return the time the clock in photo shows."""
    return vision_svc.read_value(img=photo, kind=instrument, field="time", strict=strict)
12:02
